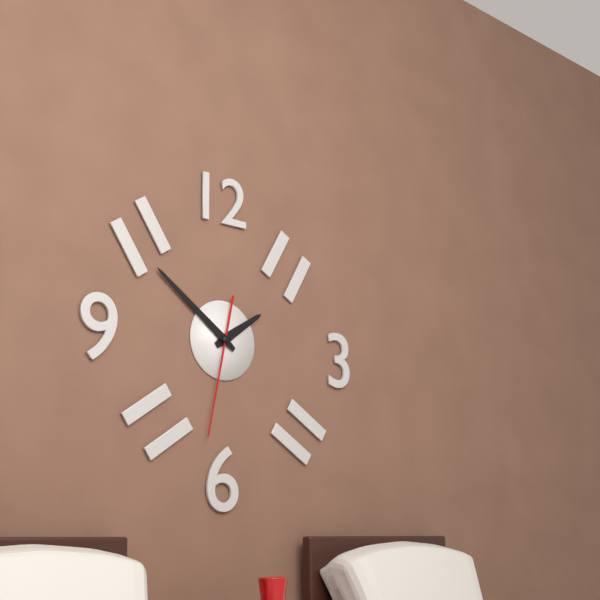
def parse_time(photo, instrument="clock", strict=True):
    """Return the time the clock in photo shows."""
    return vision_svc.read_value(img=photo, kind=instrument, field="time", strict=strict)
1:51:32
